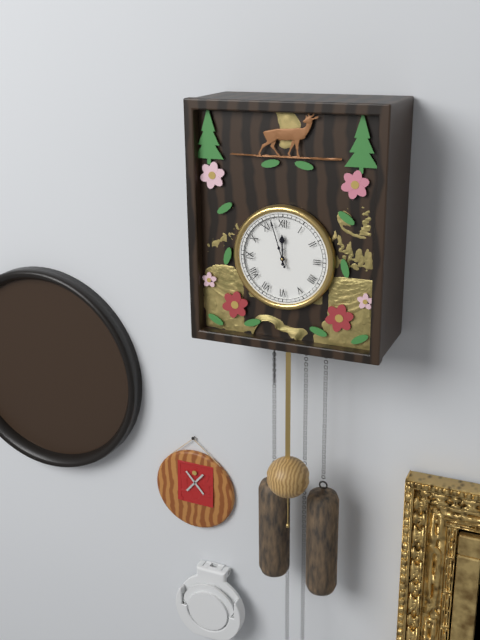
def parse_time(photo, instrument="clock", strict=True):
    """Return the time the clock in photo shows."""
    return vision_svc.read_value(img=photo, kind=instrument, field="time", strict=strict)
11:57
